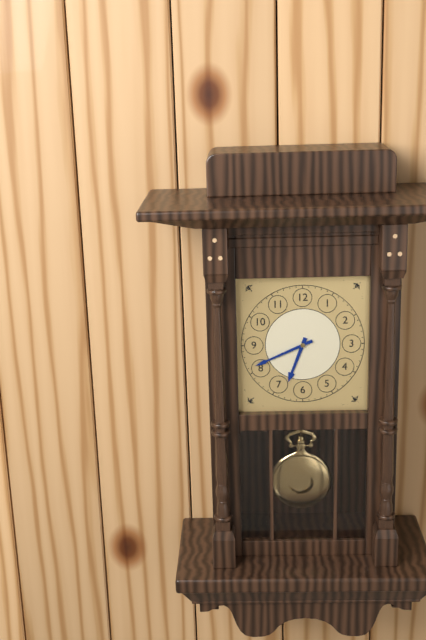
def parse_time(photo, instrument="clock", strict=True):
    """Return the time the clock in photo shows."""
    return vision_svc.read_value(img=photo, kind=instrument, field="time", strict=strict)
6:41
